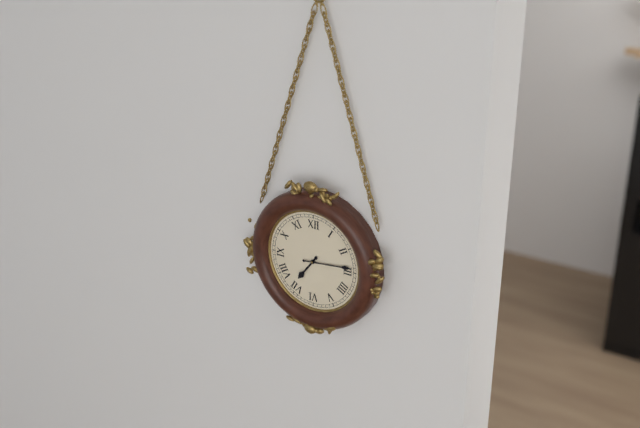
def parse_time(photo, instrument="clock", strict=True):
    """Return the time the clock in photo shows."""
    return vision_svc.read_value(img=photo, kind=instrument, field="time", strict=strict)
7:14
